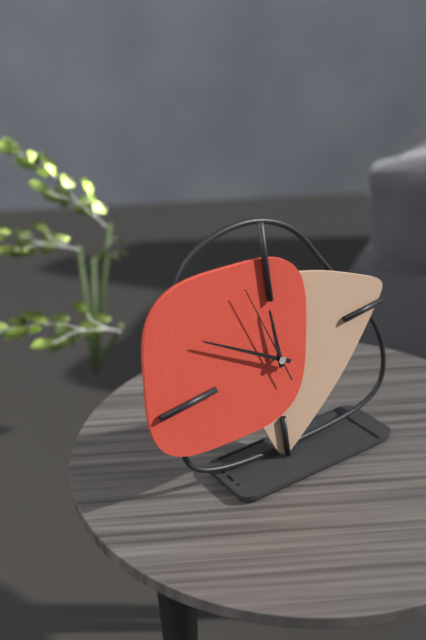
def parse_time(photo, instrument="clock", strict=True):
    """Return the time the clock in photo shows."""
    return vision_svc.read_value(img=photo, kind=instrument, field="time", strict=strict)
11:51:57
